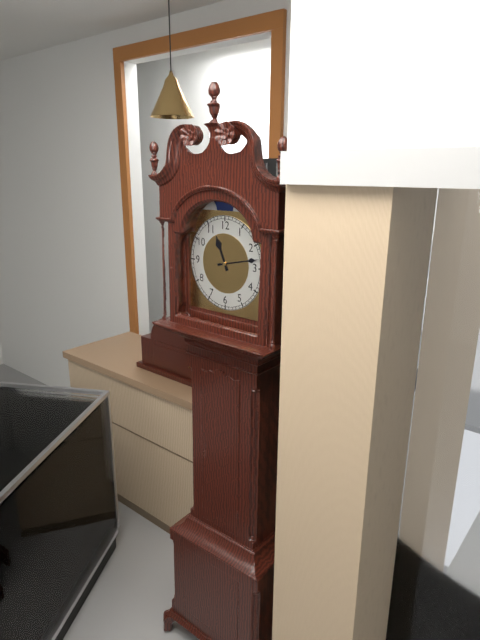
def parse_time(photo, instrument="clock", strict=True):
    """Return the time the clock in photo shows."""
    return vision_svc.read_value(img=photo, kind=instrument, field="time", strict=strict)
11:13
